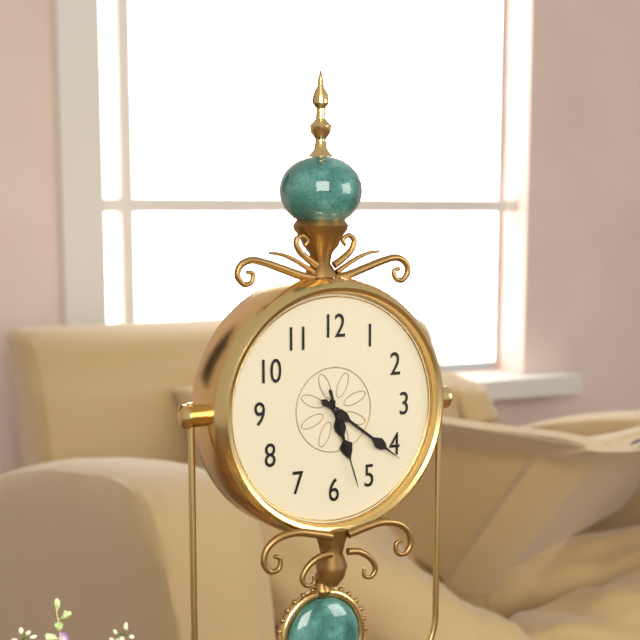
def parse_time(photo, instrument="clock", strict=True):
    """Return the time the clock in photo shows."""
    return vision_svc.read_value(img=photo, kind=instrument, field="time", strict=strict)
5:21:27
